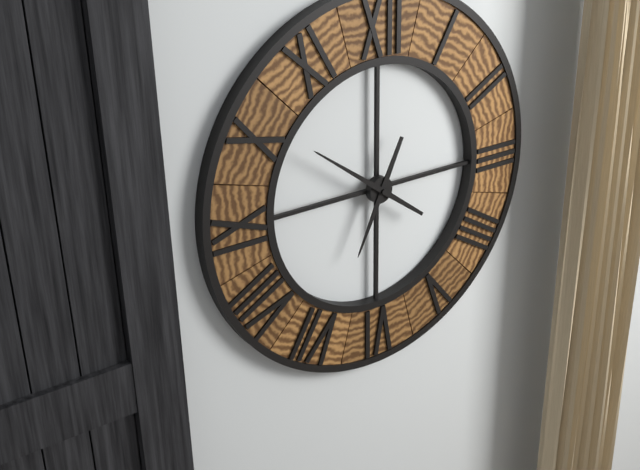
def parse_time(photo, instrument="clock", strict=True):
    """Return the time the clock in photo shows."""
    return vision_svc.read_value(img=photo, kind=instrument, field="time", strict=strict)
6:51
